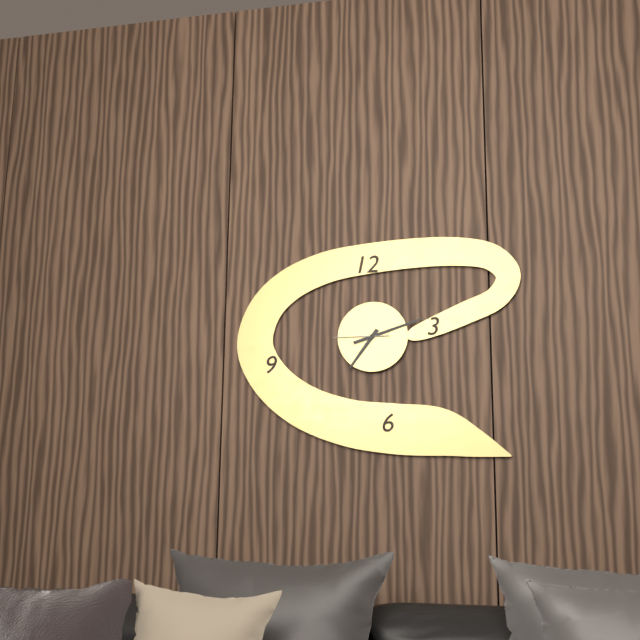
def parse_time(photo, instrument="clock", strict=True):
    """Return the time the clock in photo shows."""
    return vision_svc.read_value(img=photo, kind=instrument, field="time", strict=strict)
7:12:45
